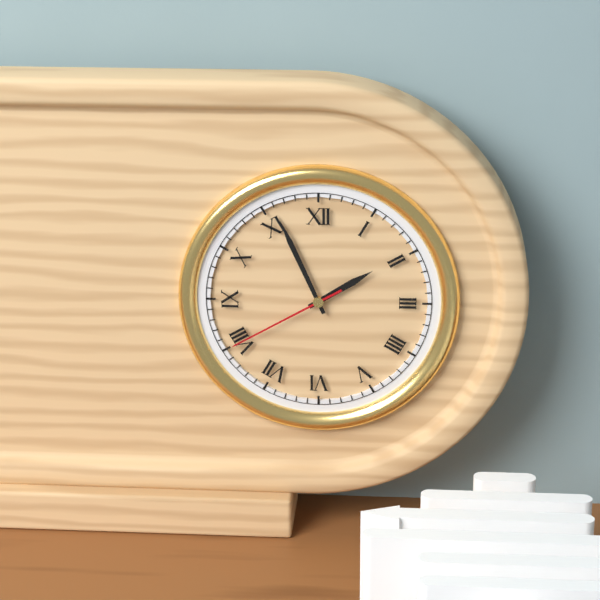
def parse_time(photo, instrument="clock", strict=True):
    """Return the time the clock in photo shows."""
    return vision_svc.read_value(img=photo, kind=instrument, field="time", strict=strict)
1:56:40
